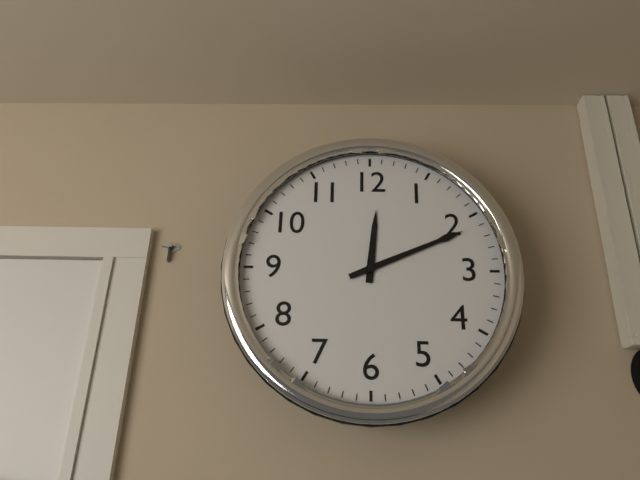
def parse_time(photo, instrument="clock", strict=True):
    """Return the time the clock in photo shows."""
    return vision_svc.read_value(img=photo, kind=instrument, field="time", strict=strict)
12:11
